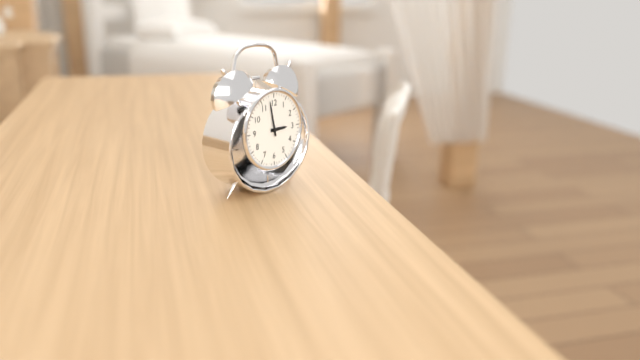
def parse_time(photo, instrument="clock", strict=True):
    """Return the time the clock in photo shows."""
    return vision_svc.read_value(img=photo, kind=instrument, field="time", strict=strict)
2:58
